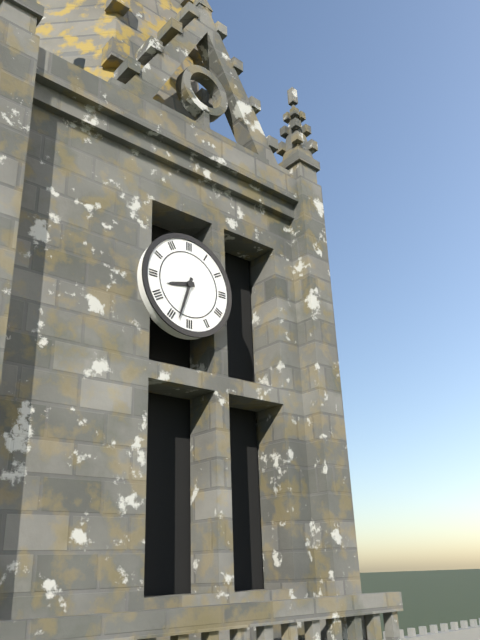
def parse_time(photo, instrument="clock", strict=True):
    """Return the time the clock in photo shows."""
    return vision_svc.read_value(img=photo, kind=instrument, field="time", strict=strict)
8:33
